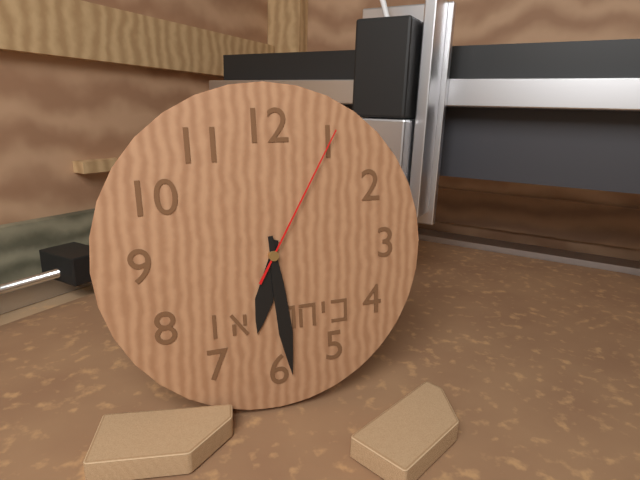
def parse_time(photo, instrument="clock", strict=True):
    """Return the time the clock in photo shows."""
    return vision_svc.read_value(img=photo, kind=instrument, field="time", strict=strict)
6:29:05
